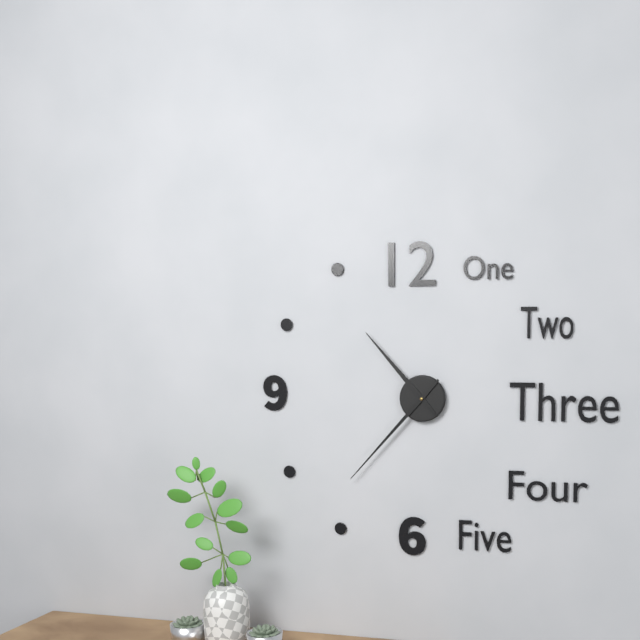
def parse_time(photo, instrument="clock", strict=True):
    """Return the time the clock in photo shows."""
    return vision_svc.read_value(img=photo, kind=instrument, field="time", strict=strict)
10:37
